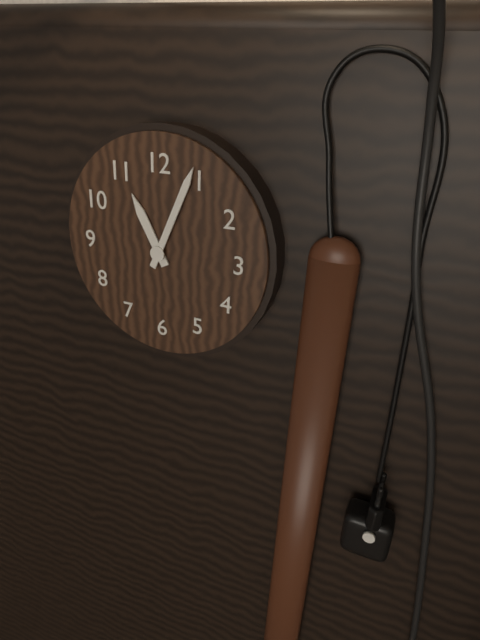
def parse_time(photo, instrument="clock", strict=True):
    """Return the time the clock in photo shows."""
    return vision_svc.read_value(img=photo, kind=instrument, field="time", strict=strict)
11:04
